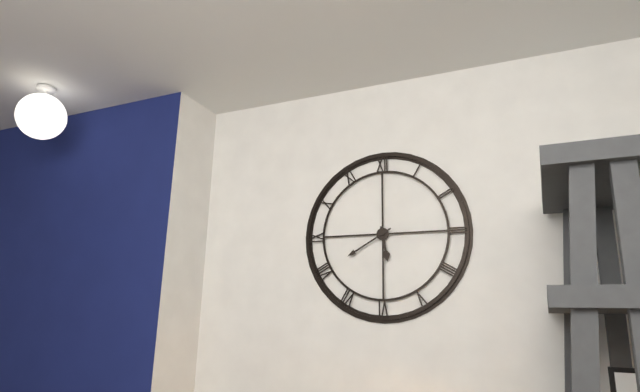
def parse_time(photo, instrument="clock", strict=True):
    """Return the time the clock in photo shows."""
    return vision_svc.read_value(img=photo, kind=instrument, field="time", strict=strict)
5:40
